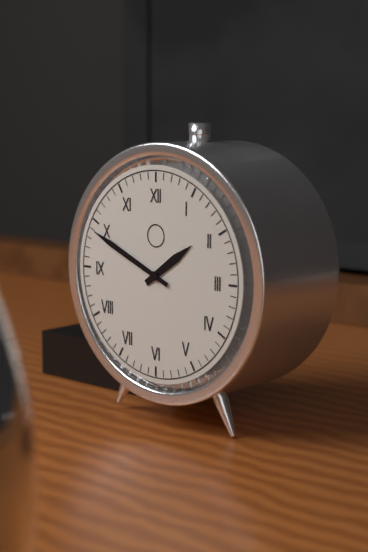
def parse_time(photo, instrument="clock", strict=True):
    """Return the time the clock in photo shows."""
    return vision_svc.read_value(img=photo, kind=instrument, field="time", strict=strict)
1:49
